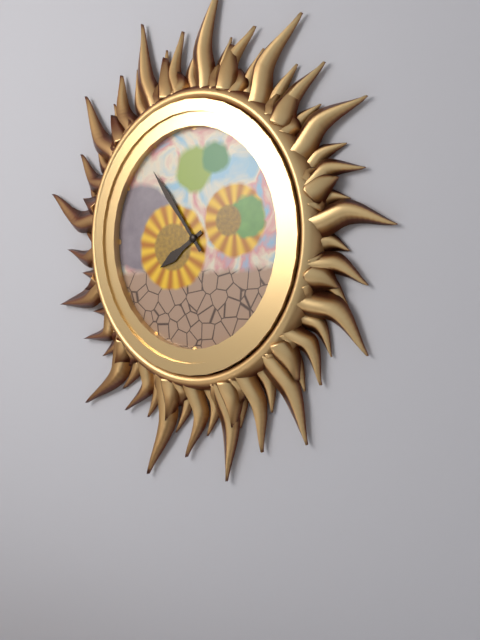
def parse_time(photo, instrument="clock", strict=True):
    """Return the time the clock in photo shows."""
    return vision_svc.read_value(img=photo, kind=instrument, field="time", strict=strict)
7:54
